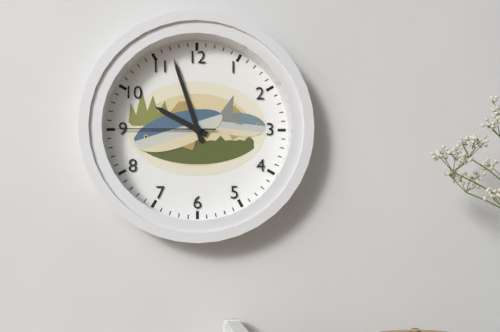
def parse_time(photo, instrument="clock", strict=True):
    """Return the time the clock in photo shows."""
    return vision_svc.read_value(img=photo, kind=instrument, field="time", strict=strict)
9:57:45
